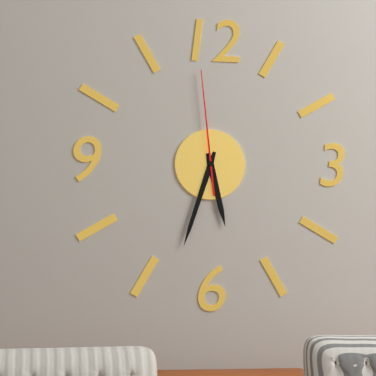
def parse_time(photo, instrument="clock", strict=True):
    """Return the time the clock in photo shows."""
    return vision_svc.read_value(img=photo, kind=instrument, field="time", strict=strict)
5:33:59
